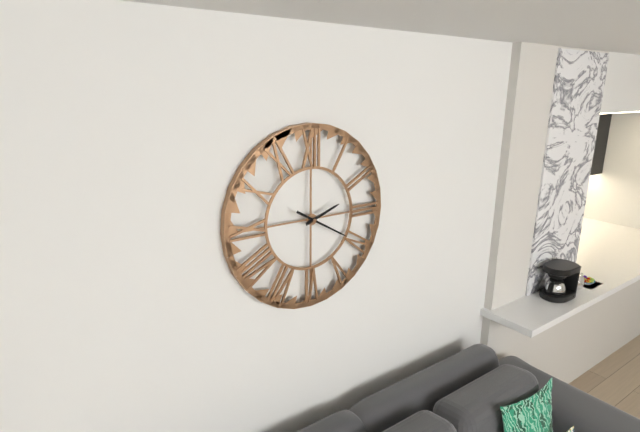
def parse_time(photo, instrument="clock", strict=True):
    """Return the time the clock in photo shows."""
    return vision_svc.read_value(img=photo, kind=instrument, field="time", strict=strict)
2:20
